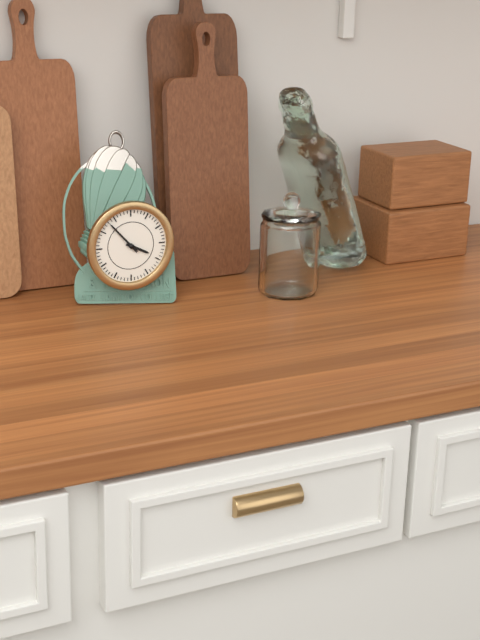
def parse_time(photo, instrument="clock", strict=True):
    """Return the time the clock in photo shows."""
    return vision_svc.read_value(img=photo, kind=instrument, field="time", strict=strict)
3:53
